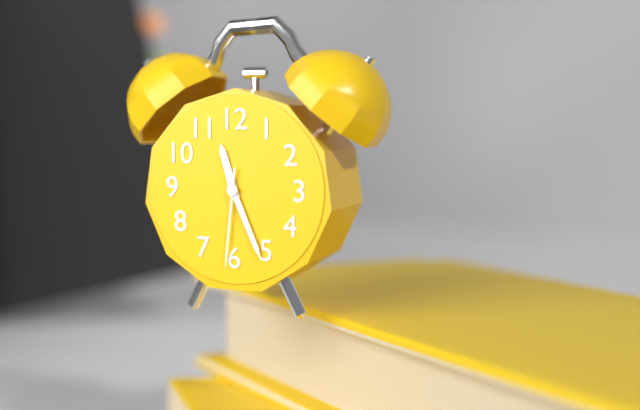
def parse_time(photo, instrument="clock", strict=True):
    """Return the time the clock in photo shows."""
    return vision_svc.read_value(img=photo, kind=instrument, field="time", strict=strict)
11:26:31
